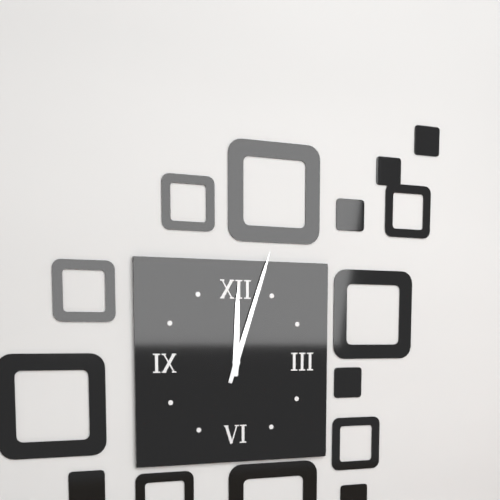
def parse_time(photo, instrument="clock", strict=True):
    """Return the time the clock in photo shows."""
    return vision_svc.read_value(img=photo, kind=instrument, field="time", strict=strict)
12:03
